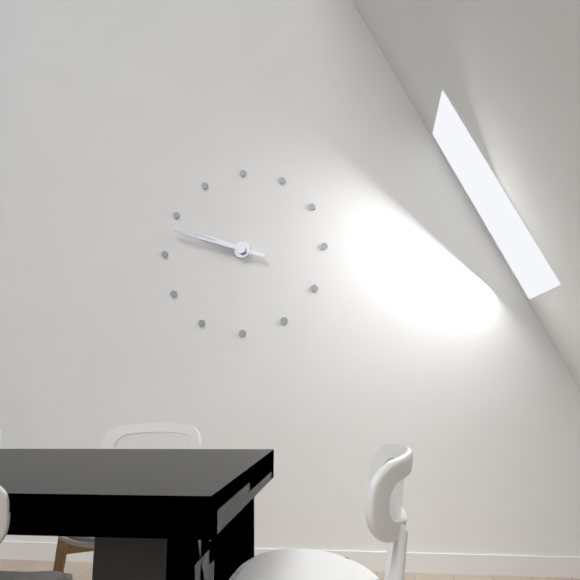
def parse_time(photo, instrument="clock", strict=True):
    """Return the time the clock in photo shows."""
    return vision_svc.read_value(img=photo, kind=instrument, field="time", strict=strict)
9:48
